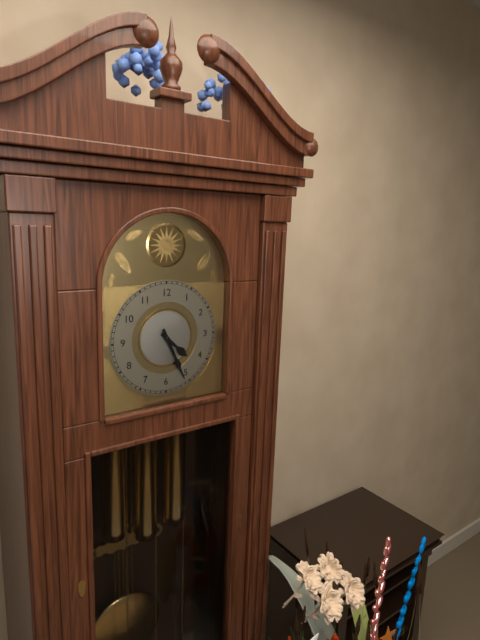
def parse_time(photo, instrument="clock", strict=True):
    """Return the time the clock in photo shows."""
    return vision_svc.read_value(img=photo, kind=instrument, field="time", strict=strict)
4:26
